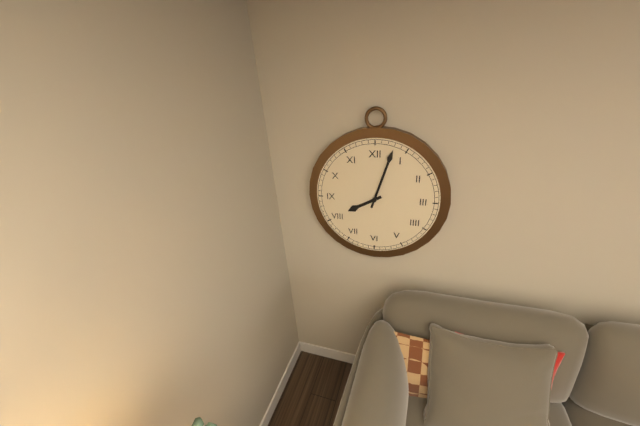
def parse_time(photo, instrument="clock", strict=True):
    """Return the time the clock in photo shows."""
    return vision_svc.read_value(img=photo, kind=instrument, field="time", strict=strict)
8:03
